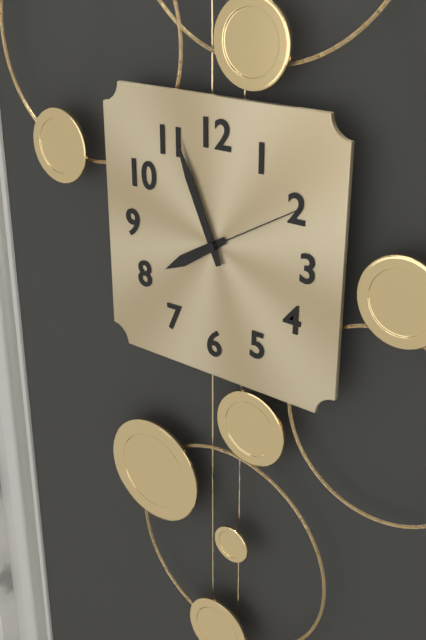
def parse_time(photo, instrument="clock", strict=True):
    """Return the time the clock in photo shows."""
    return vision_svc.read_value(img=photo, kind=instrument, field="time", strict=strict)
7:56:10
